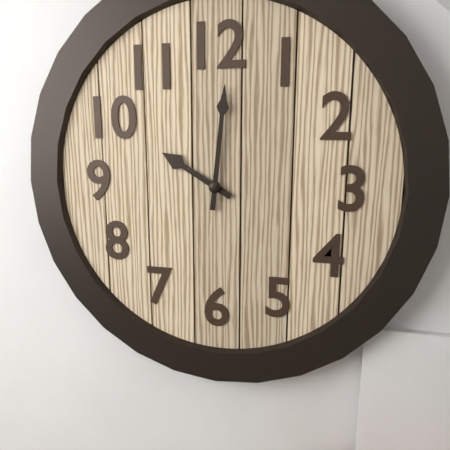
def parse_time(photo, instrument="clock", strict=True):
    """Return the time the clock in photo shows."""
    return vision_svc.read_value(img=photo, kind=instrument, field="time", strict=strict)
10:01
